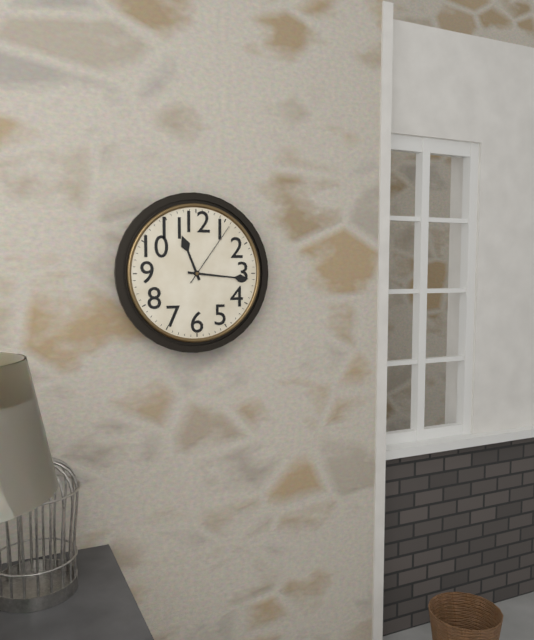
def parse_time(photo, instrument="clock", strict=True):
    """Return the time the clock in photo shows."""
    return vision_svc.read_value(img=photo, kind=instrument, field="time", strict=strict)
11:16:06
